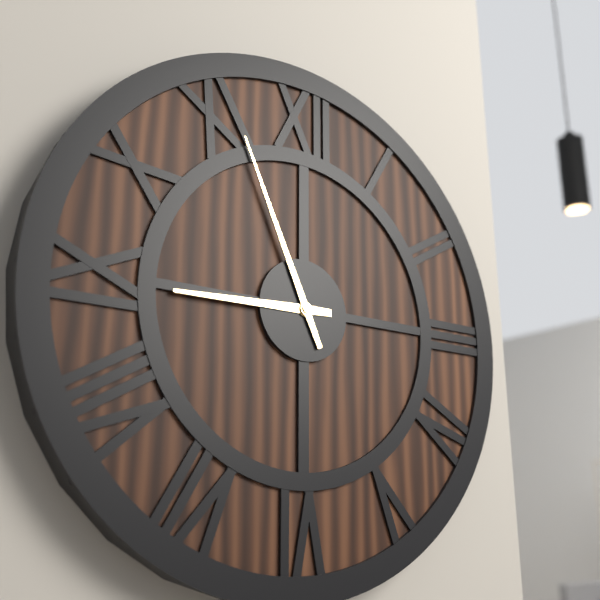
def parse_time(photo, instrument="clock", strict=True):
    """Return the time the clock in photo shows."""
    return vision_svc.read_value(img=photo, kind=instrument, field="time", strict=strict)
8:56
